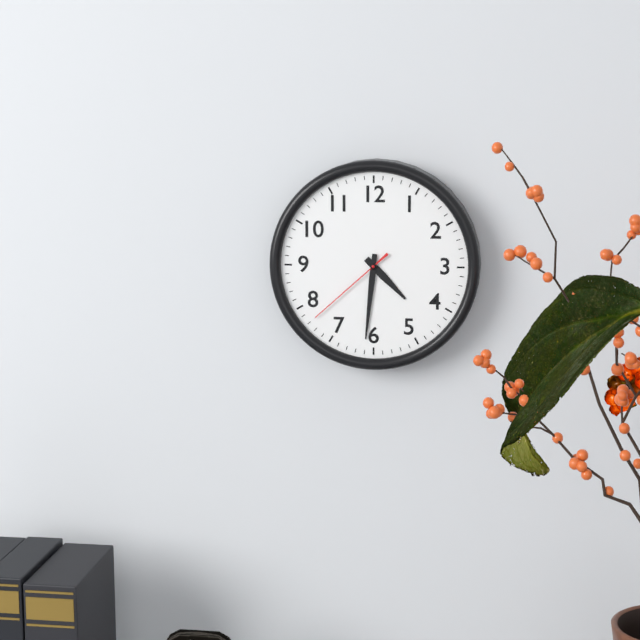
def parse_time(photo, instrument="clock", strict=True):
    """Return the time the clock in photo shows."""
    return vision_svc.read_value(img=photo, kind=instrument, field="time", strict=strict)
4:31:38
